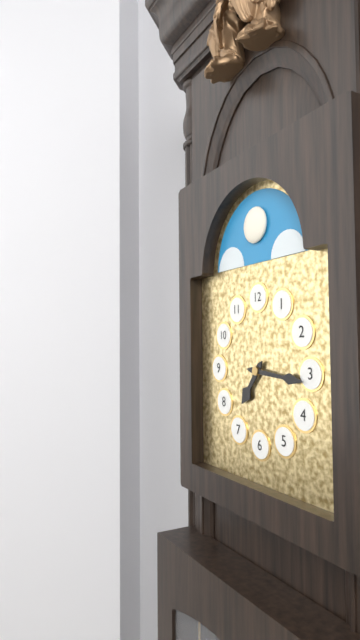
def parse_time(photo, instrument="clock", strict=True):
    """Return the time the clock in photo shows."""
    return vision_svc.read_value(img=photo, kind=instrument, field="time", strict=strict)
7:16
